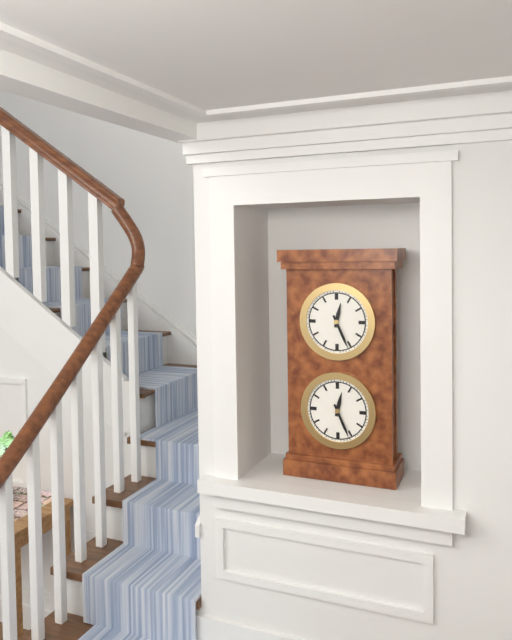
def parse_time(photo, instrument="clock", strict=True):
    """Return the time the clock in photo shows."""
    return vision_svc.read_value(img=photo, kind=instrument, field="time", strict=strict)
12:26
